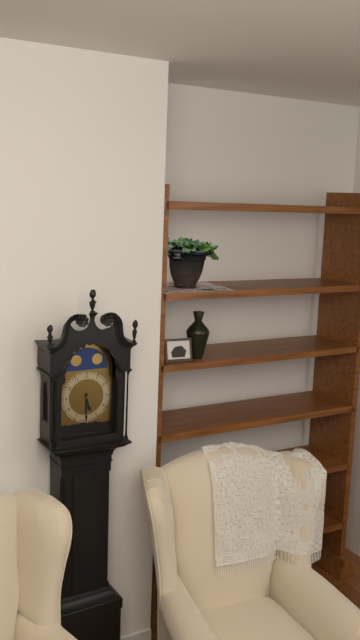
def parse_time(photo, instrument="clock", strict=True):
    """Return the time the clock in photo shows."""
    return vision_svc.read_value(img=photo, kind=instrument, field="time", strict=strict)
5:30
